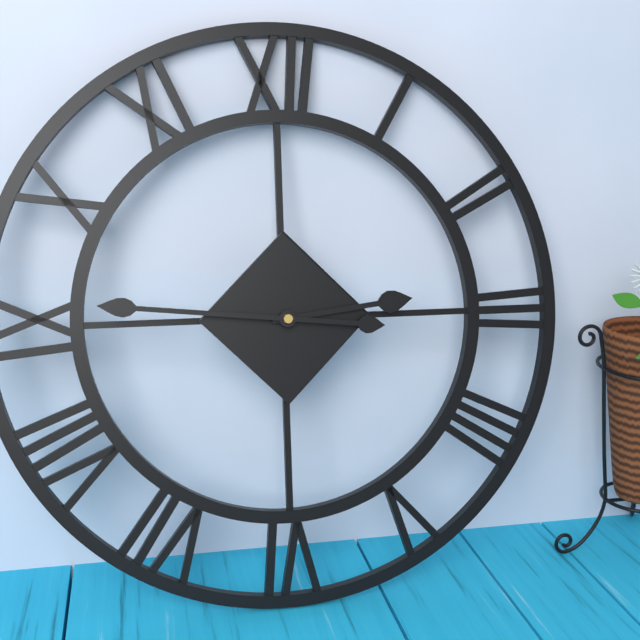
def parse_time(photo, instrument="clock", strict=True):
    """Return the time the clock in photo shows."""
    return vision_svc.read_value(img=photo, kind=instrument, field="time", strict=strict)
2:46
